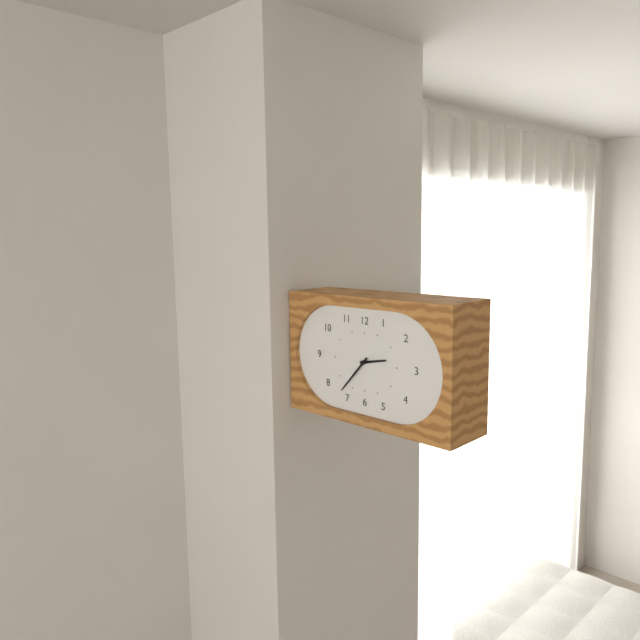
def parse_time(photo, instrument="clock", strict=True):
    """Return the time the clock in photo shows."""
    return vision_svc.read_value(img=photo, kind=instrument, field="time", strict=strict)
2:37
